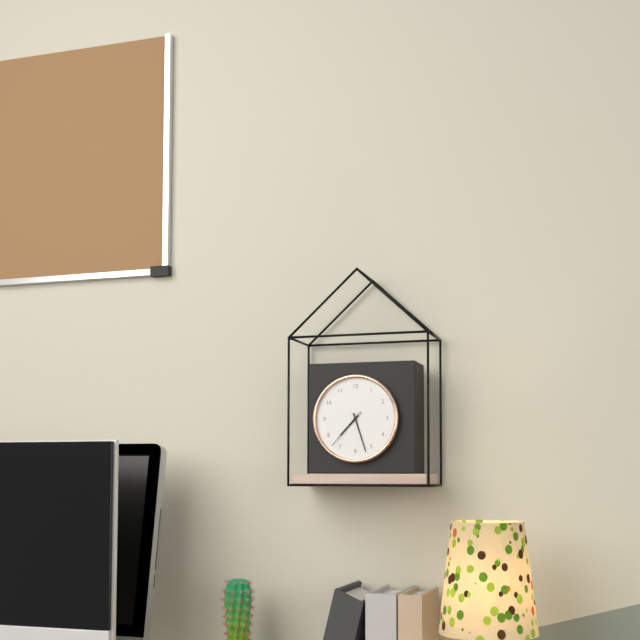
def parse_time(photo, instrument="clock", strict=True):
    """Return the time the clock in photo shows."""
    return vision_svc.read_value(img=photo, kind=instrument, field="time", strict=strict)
7:27
